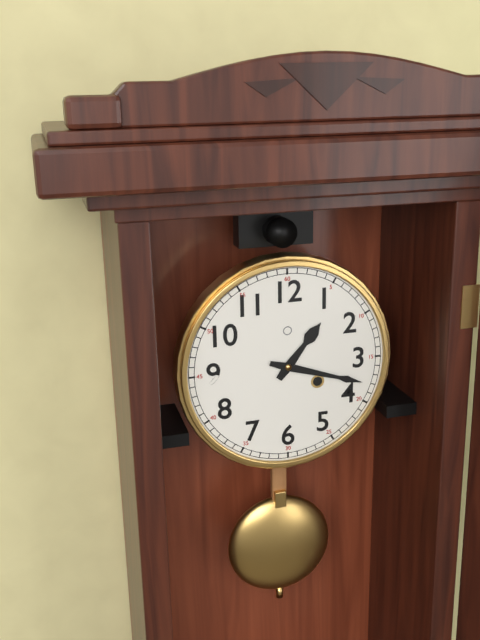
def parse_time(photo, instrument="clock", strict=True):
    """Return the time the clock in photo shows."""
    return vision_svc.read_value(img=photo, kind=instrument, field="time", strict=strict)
1:18
